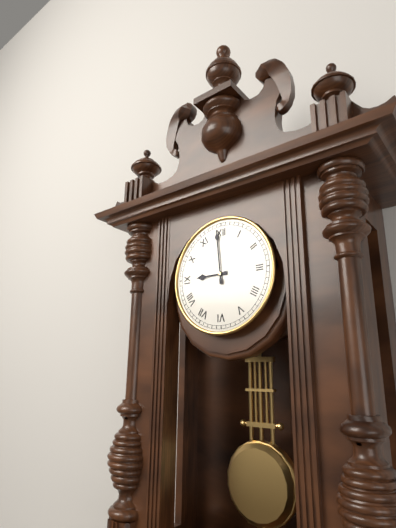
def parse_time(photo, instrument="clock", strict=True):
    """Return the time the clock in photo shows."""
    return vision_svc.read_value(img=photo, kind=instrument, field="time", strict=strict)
8:59
